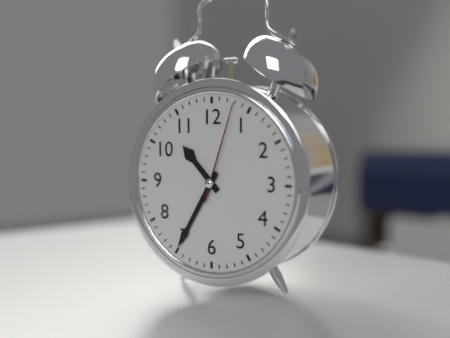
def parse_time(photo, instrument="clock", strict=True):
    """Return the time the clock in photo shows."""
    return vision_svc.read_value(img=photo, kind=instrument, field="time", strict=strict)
10:35:03
